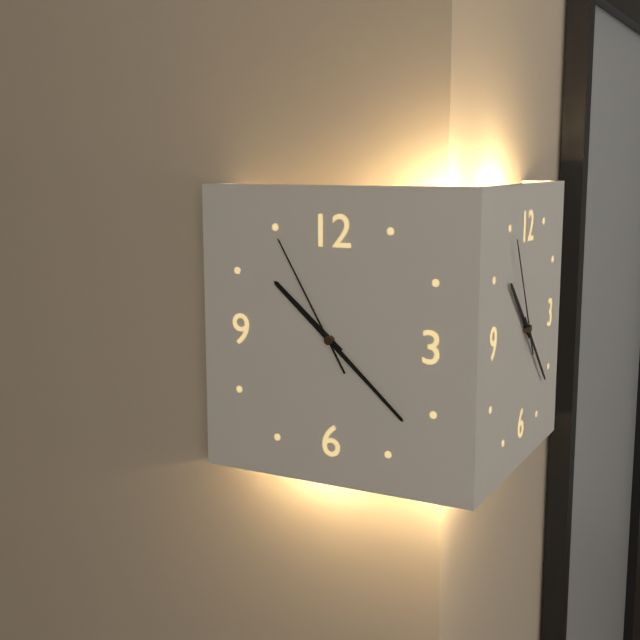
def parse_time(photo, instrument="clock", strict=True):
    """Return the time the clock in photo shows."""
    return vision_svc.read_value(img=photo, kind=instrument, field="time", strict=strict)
10:22:55
